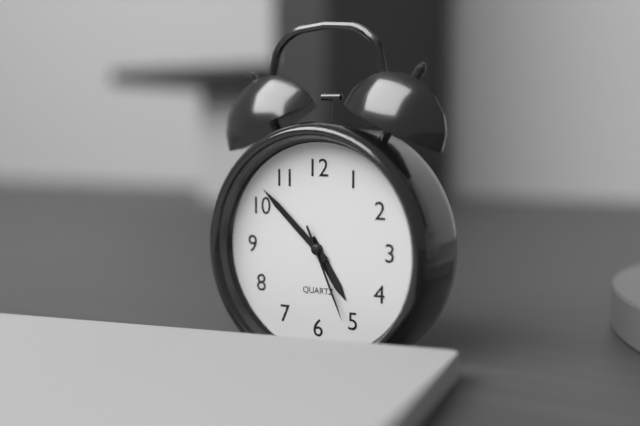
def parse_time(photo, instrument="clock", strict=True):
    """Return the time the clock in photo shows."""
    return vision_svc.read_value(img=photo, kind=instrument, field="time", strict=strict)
4:52:26
